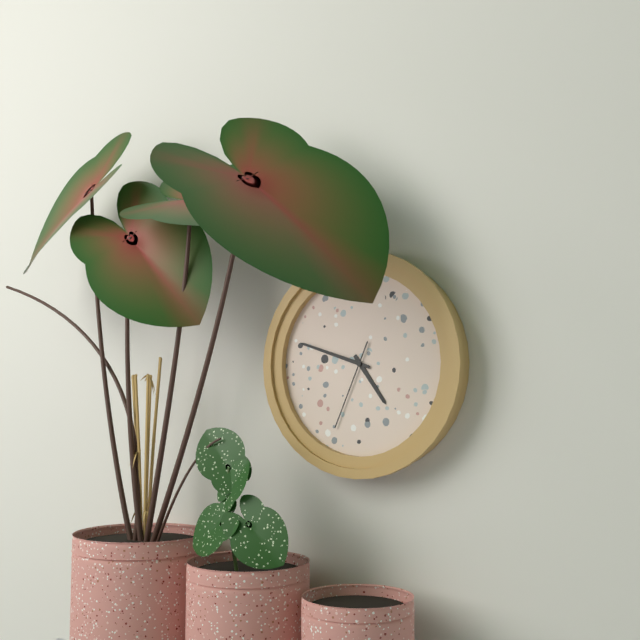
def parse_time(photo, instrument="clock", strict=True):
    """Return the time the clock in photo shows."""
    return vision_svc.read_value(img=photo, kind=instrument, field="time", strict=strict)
4:48:34
